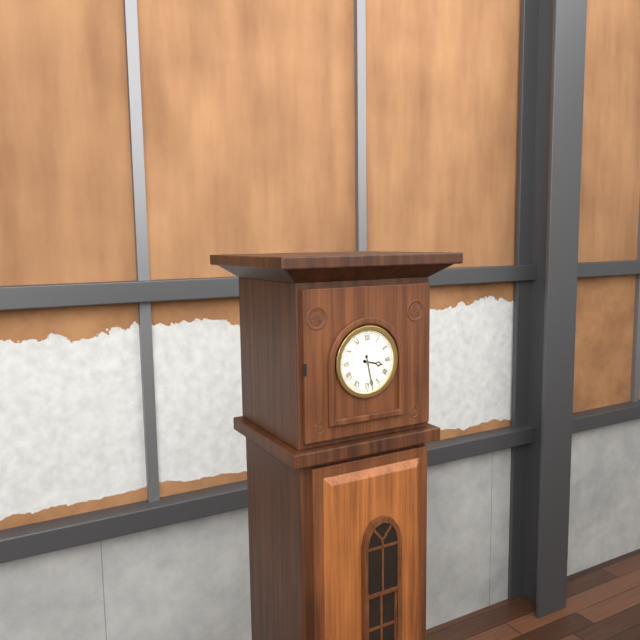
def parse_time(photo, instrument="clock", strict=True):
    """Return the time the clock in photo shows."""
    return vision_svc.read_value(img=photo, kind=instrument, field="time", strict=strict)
3:28
